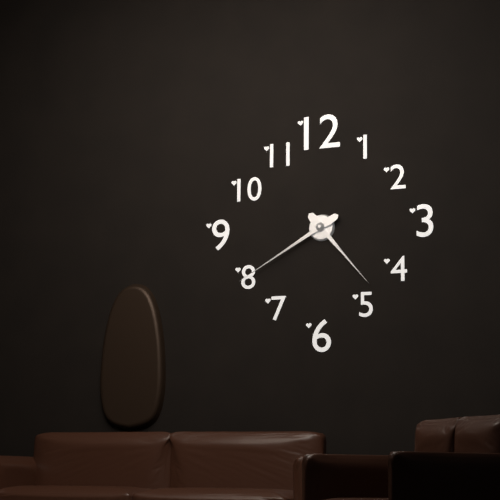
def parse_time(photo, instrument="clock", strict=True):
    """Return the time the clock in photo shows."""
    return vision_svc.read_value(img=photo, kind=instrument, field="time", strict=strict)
4:40
